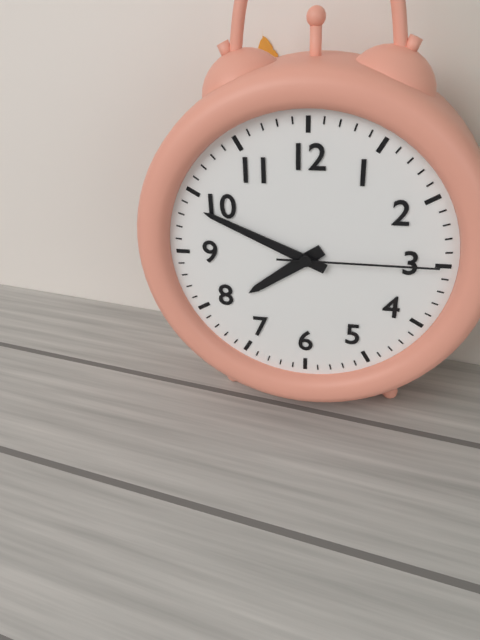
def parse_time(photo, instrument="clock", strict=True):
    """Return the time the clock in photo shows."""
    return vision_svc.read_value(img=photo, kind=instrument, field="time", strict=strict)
7:49:15
